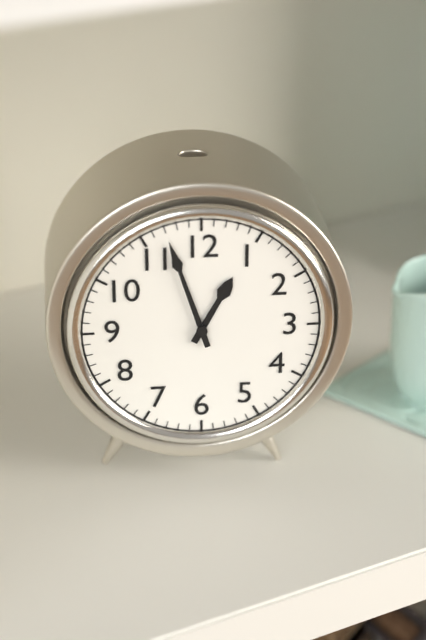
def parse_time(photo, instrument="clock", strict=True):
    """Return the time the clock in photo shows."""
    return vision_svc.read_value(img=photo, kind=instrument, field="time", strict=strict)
12:57
